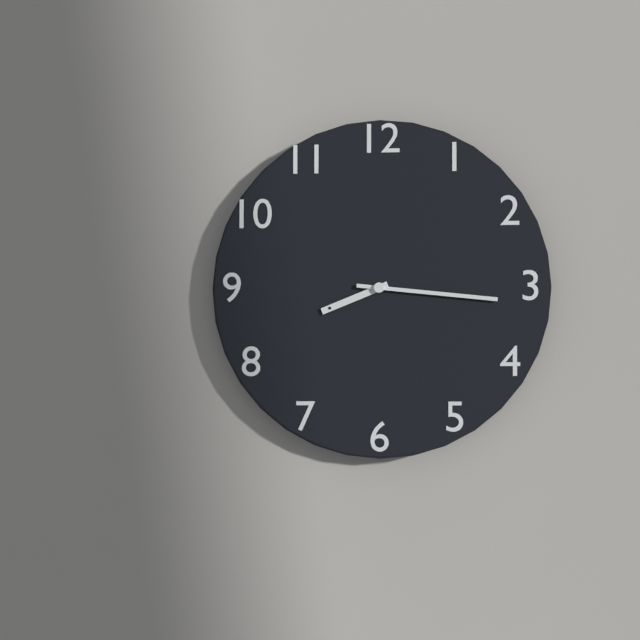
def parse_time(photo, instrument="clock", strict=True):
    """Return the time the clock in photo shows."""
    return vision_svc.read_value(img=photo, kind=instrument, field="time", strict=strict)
8:16
